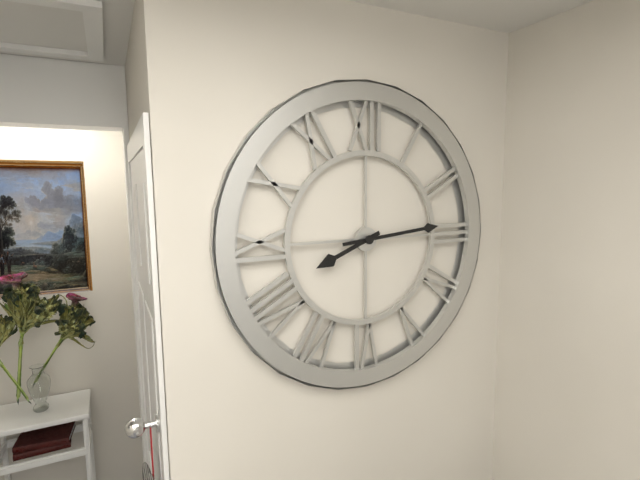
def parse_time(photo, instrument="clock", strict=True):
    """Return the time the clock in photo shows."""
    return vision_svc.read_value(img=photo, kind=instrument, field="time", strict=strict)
8:14
